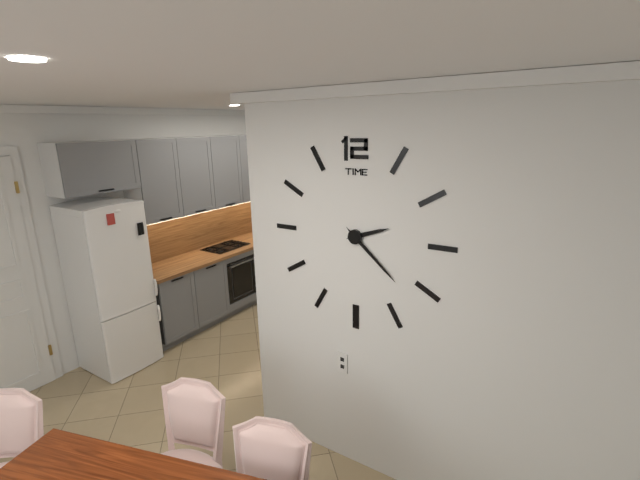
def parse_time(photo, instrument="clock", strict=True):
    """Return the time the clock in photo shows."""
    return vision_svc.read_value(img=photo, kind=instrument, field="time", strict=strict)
2:22
